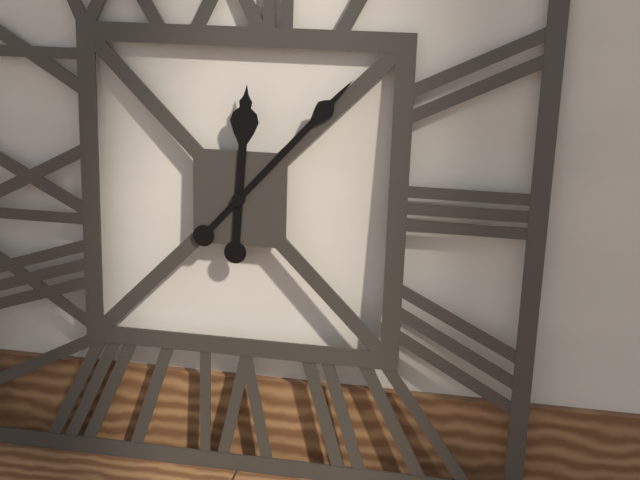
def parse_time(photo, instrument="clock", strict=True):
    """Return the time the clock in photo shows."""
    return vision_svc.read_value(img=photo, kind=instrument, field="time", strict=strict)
12:07
